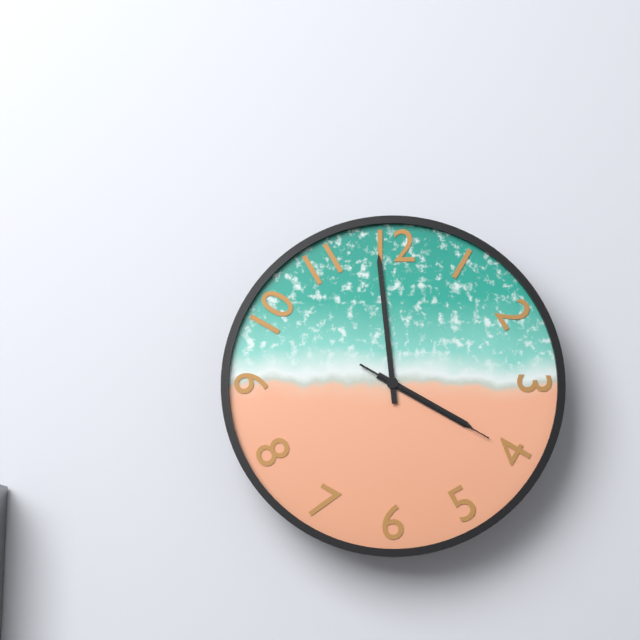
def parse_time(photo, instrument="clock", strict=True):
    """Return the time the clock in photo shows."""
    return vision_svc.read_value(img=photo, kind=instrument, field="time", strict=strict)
3:59:20
